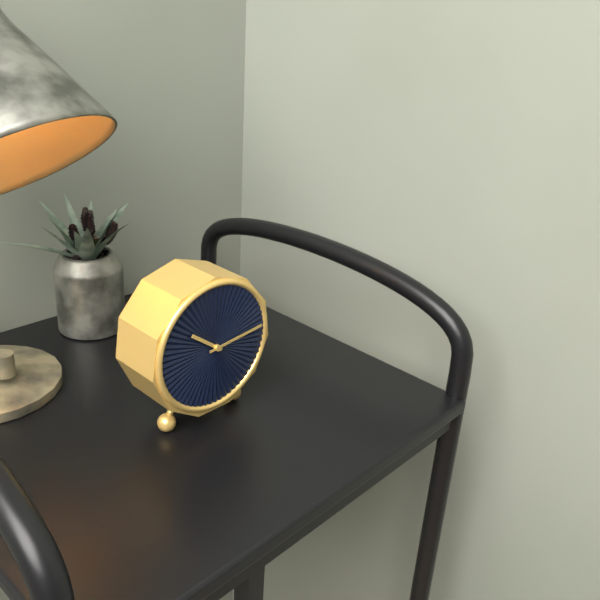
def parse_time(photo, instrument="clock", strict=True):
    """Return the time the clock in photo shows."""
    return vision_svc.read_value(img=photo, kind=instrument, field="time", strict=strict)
10:14
